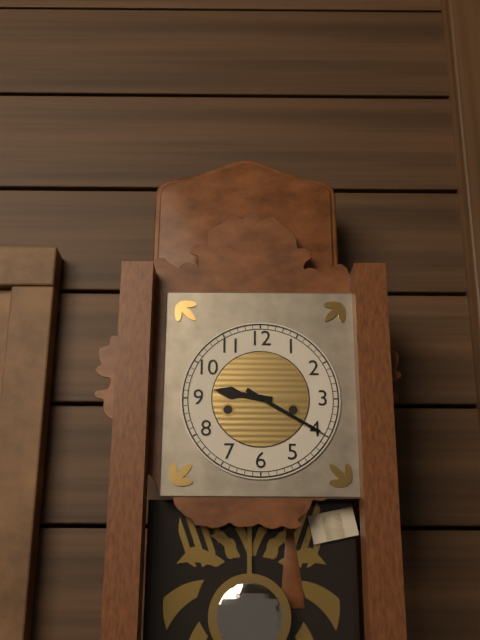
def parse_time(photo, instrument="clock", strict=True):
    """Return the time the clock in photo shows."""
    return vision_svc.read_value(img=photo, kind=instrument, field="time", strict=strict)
9:20
